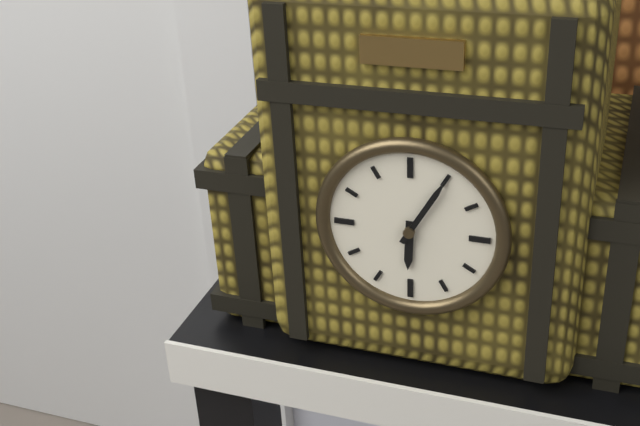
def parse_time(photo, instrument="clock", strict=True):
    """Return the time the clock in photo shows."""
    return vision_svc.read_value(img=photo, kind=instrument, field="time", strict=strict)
6:05
